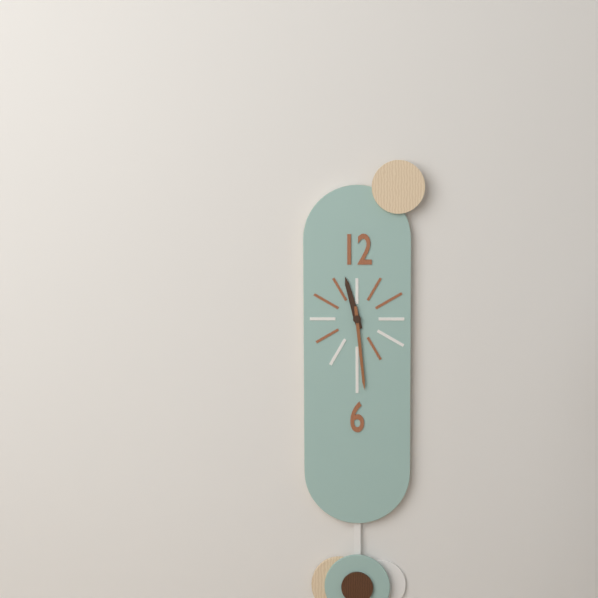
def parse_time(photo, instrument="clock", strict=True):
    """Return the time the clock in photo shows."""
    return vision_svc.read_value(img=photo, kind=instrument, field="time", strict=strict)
11:29
